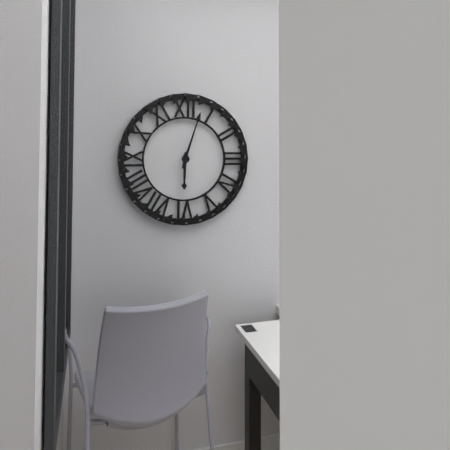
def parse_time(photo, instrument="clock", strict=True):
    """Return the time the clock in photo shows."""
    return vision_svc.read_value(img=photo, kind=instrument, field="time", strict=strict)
6:03
